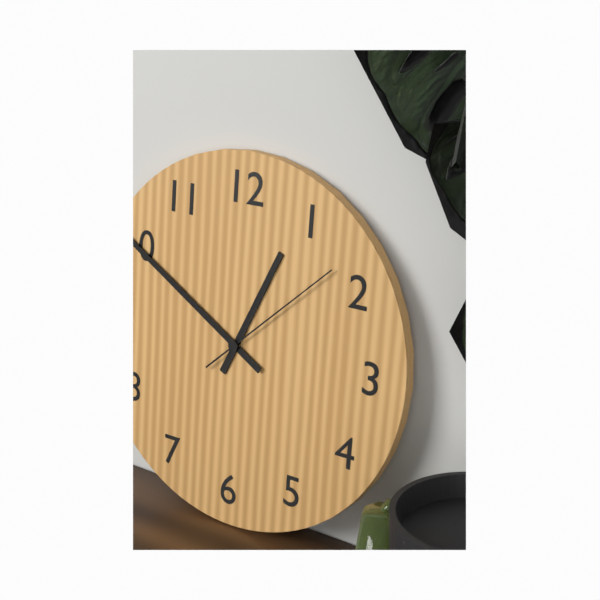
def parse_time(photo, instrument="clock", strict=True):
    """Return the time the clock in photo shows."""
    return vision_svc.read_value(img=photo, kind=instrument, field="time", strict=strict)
12:50:08
